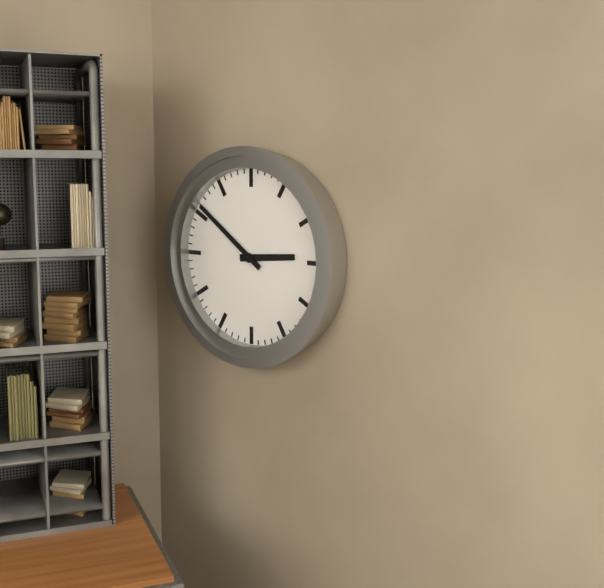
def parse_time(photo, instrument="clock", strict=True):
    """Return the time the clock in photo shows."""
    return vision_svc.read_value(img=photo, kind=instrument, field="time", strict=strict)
2:51
